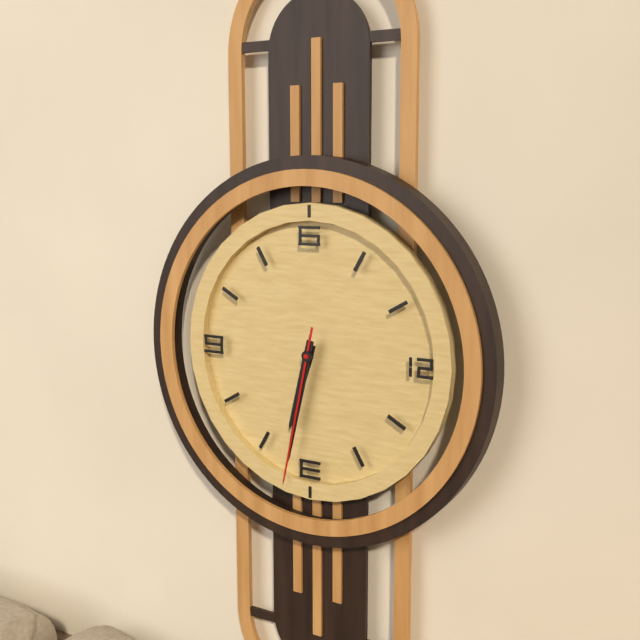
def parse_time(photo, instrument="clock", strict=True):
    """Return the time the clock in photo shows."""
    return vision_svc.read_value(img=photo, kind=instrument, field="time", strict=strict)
6:32:32
